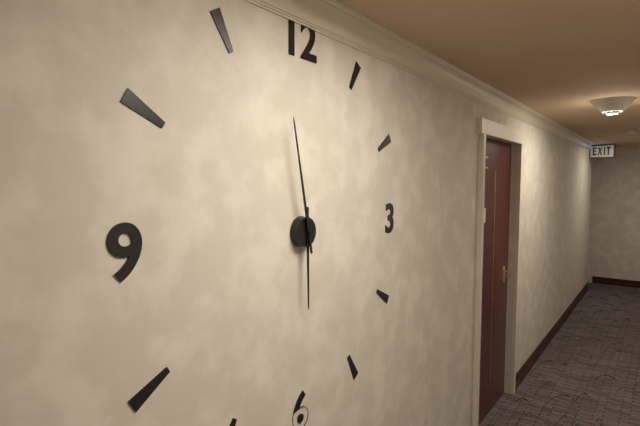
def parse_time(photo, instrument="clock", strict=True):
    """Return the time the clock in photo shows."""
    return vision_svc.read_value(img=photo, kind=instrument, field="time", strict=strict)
5:58
